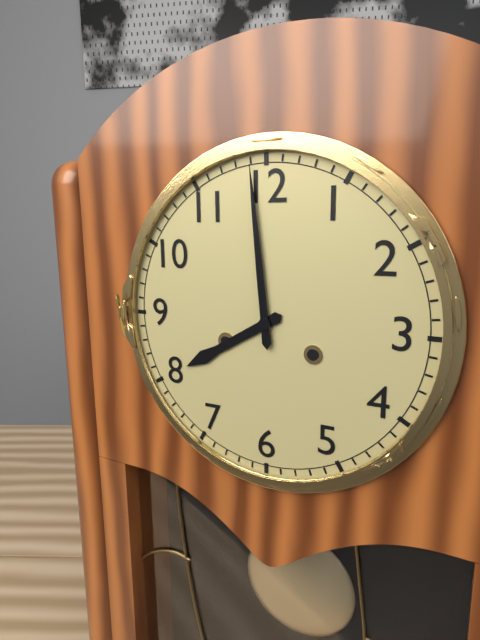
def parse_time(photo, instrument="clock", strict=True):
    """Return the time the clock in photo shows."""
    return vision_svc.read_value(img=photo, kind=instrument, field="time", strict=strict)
7:59
